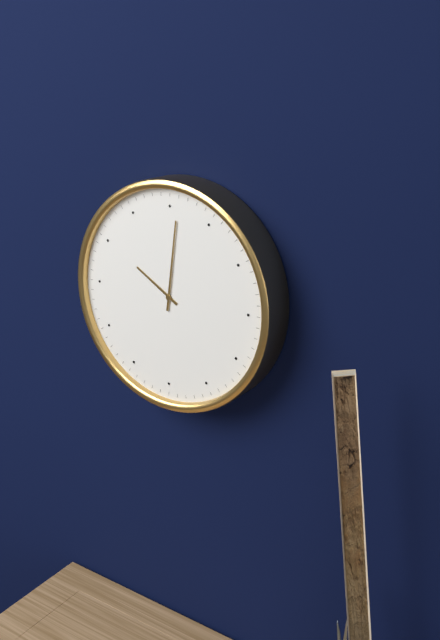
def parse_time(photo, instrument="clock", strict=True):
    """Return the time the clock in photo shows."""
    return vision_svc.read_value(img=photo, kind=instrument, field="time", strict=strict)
10:01
